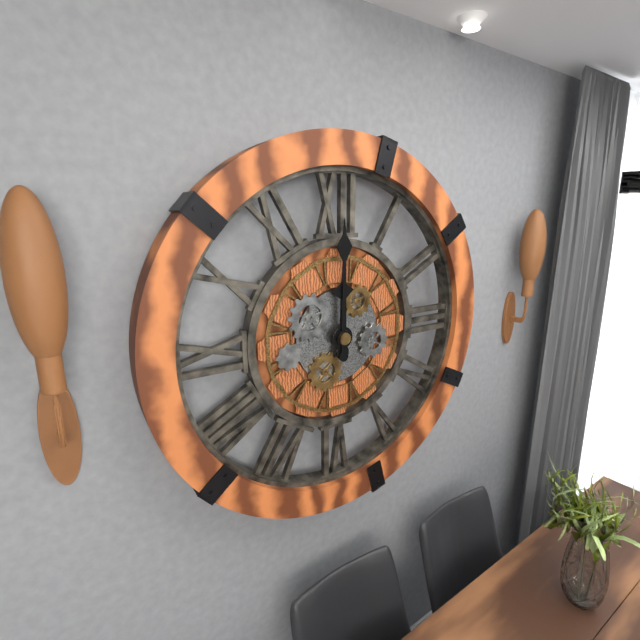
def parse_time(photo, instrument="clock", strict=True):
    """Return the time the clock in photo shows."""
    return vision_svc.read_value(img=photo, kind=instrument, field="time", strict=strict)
12:00
